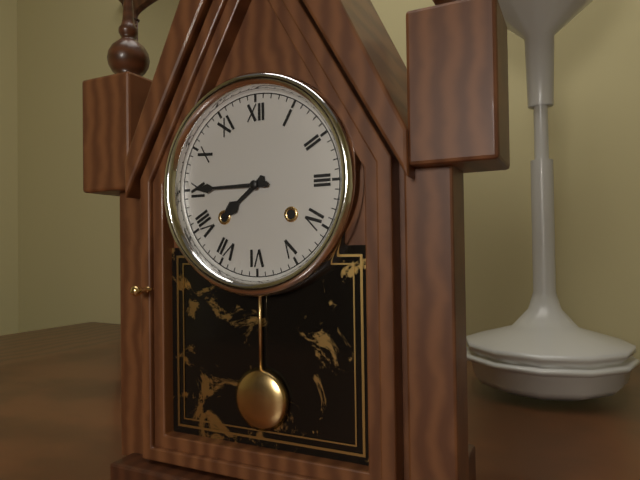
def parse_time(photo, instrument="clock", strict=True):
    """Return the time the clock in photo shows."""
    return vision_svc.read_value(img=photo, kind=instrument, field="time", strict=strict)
7:45
